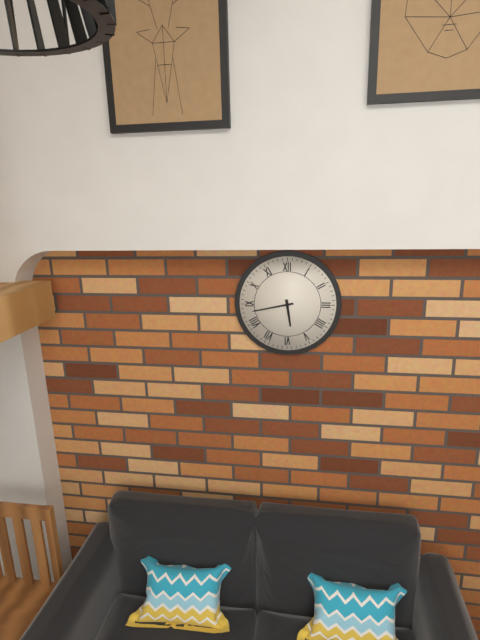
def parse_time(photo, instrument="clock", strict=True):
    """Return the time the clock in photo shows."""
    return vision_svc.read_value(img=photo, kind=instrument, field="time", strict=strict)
5:43
